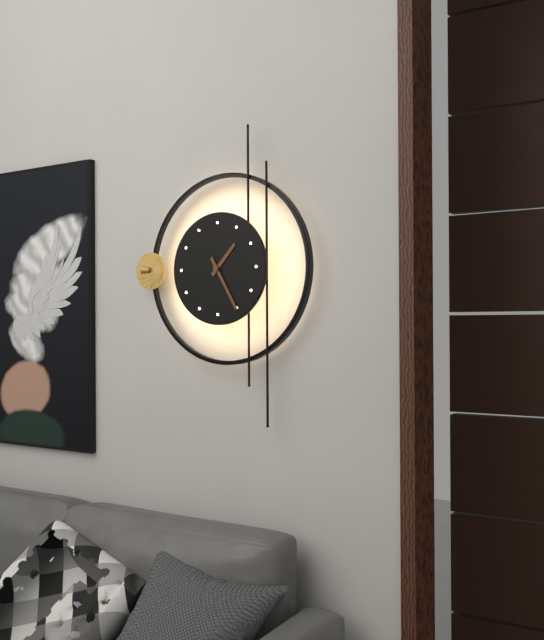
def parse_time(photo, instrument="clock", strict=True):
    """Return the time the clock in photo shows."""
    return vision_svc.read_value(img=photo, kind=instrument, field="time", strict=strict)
1:25
